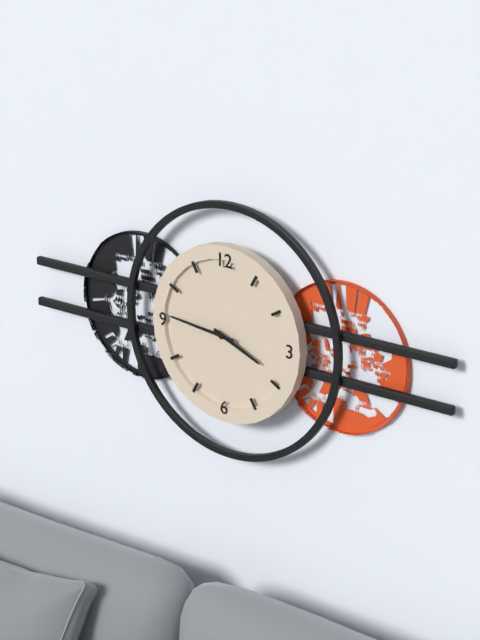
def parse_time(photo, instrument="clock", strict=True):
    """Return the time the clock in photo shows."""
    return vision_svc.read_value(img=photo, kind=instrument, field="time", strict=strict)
3:46
